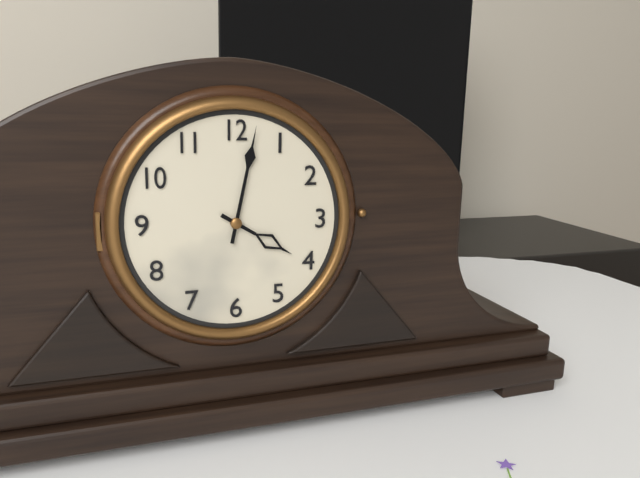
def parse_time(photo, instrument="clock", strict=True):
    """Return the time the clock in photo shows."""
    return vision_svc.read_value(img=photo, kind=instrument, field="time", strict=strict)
4:02
